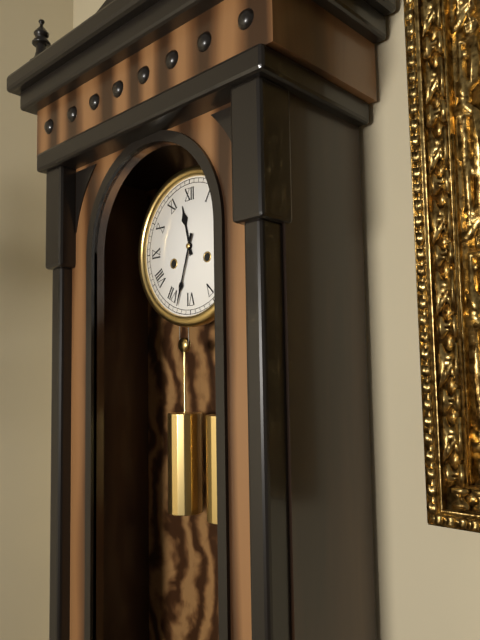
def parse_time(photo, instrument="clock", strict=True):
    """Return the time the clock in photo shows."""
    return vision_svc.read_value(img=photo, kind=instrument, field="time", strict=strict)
11:33
